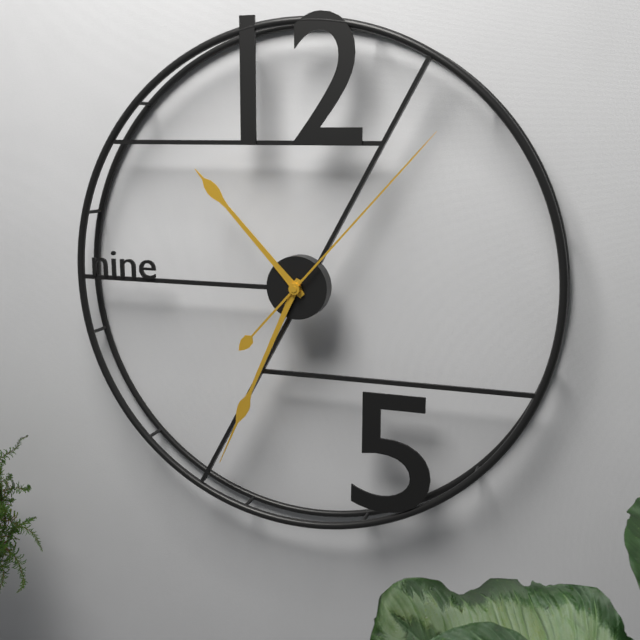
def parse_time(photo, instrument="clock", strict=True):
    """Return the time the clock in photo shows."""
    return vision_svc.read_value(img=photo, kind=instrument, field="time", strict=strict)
10:34:07
